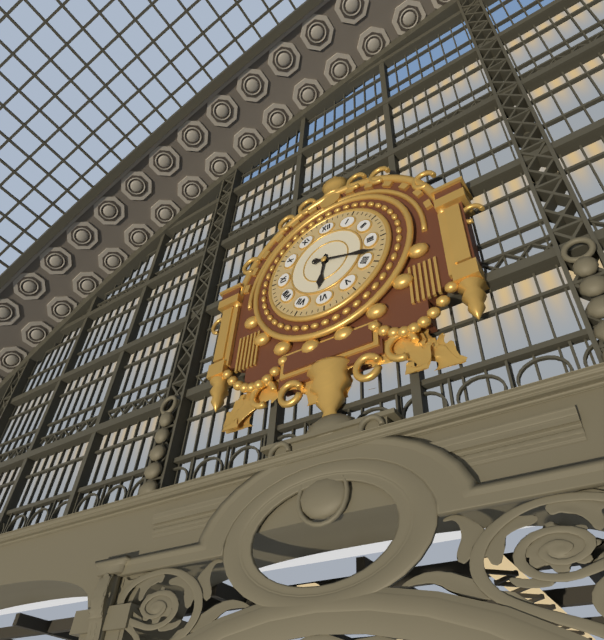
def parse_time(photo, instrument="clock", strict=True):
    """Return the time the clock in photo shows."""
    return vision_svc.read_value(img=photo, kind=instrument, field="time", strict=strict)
6:18
